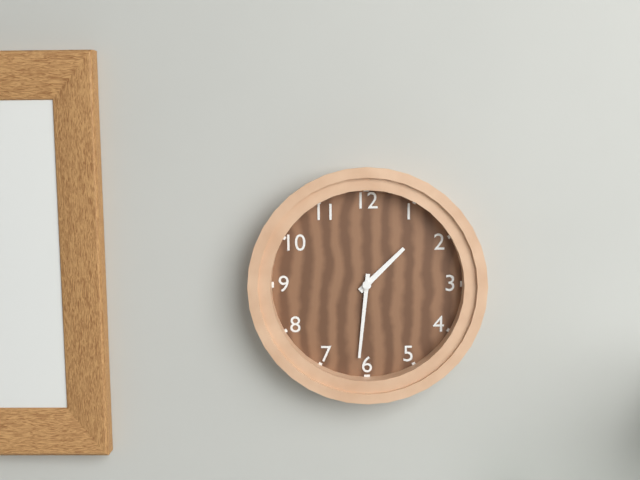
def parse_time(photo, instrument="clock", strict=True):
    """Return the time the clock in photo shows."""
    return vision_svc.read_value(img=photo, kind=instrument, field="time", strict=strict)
1:31
